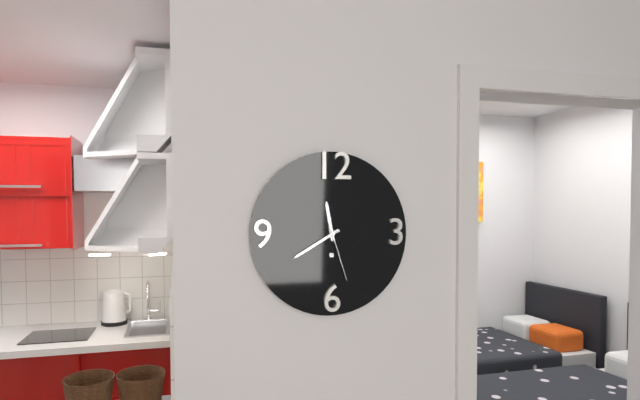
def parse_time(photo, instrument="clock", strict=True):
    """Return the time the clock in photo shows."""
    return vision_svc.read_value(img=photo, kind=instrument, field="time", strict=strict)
11:40:27
